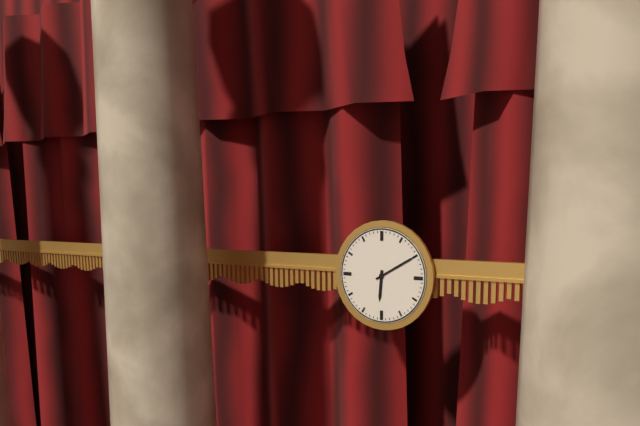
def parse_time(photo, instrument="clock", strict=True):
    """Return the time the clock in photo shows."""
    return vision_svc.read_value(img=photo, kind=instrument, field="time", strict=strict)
6:10
